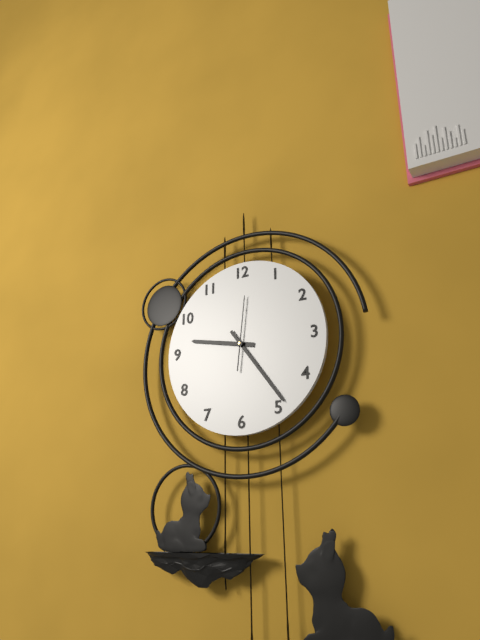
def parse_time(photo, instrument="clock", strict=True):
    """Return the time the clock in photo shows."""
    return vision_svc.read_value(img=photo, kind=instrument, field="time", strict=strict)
9:24:01
